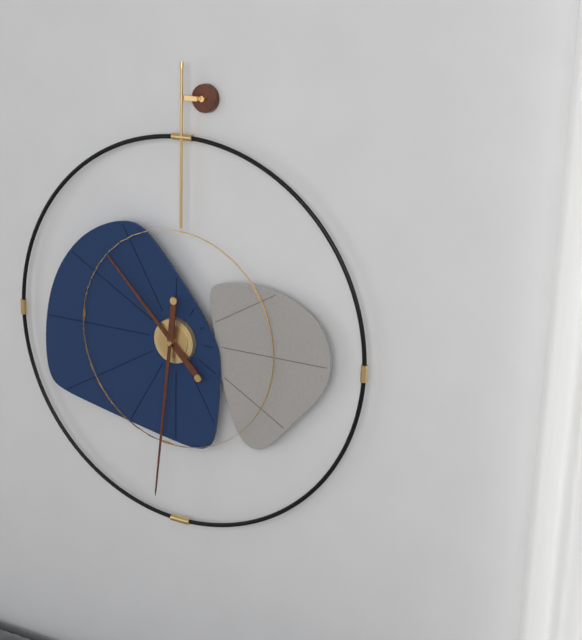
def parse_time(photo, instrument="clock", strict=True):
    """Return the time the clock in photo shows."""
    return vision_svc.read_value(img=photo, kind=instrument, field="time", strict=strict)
10:31
